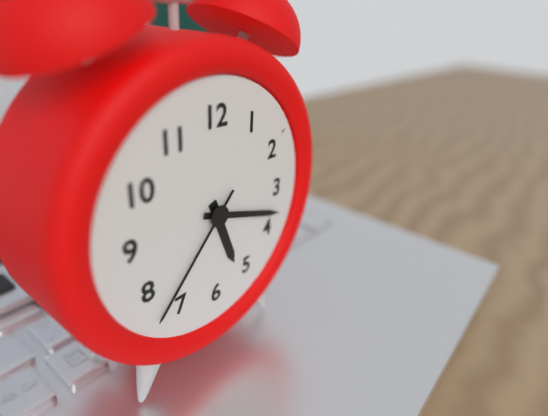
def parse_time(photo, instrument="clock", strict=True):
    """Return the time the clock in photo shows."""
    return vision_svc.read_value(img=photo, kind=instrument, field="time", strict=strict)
5:18:37
